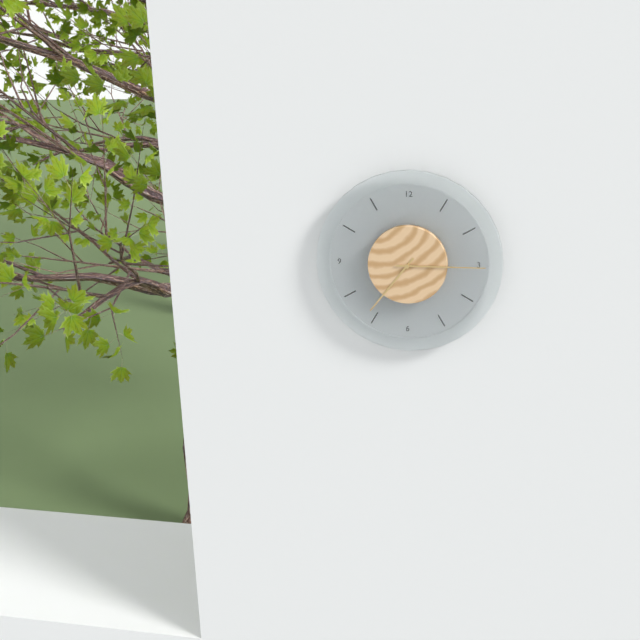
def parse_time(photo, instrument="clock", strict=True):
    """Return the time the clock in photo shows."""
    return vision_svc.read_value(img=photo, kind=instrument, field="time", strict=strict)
7:15
